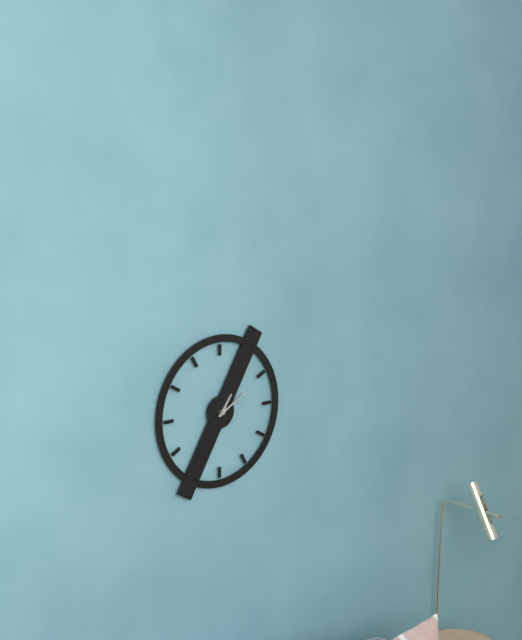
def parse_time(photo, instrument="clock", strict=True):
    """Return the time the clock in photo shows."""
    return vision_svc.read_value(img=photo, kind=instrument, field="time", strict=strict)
1:10
